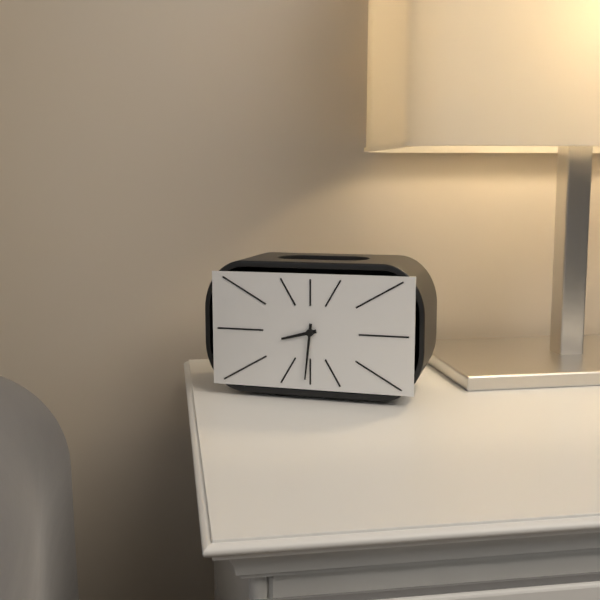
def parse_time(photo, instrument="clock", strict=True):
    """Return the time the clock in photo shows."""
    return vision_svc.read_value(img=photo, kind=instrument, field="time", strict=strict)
8:31
